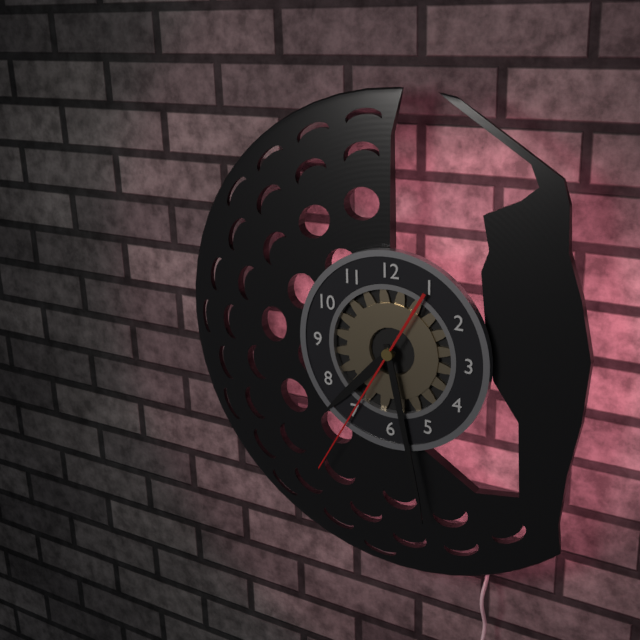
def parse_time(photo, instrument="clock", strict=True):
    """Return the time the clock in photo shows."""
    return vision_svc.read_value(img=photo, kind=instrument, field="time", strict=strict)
7:28:35
